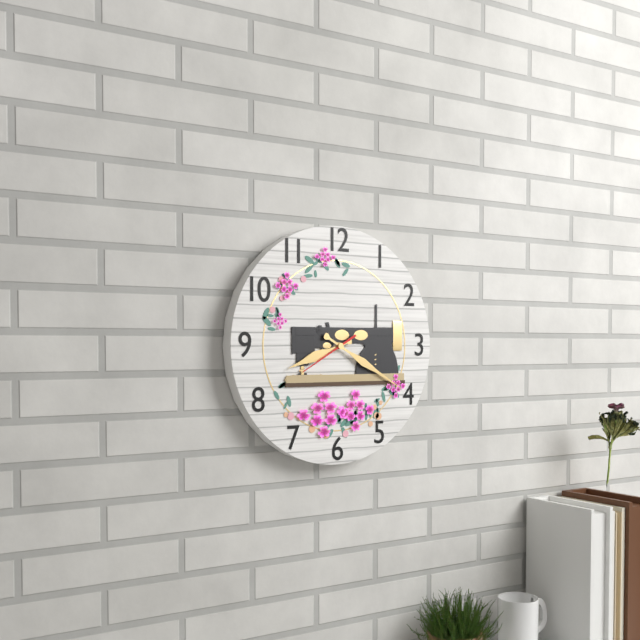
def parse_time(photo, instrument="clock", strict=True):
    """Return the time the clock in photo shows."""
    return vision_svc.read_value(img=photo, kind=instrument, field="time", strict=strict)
8:20:40
